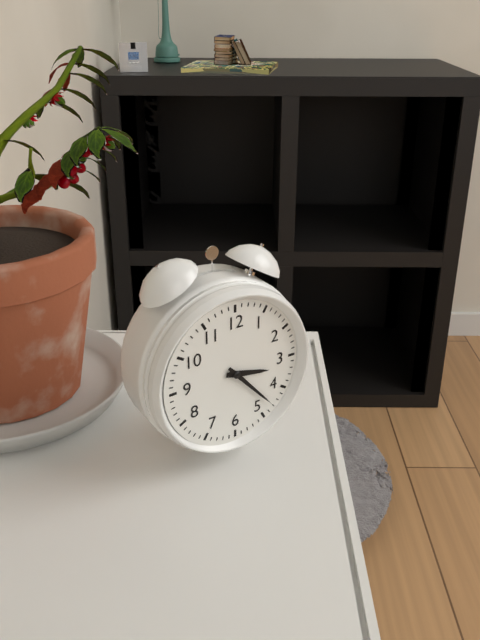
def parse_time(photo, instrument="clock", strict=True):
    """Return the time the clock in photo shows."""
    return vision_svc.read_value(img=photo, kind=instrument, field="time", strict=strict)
3:23
